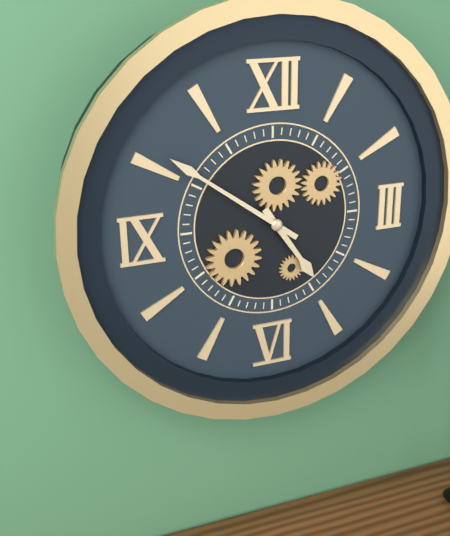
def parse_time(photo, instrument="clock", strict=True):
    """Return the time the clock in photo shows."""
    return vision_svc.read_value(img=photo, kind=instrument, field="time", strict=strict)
4:51
